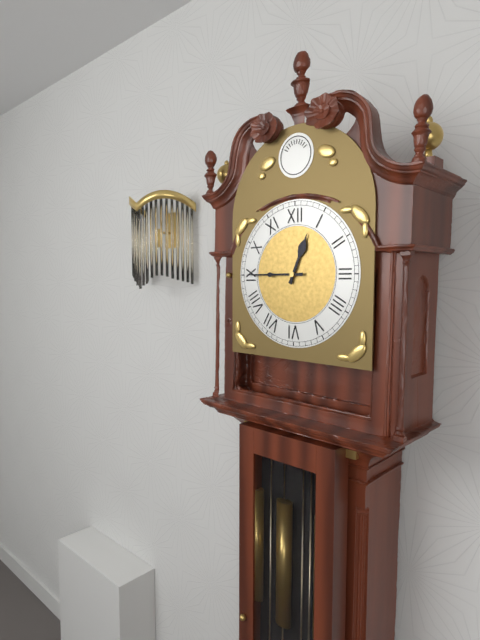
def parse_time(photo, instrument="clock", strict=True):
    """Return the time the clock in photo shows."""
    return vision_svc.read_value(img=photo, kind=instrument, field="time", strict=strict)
12:45
